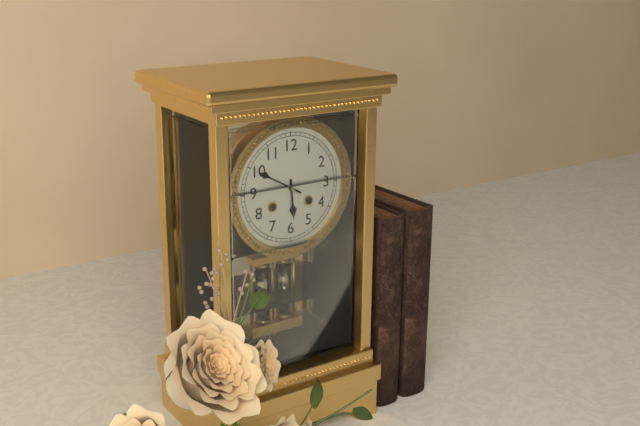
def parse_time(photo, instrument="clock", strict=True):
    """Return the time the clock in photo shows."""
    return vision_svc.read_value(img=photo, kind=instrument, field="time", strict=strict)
5:50
